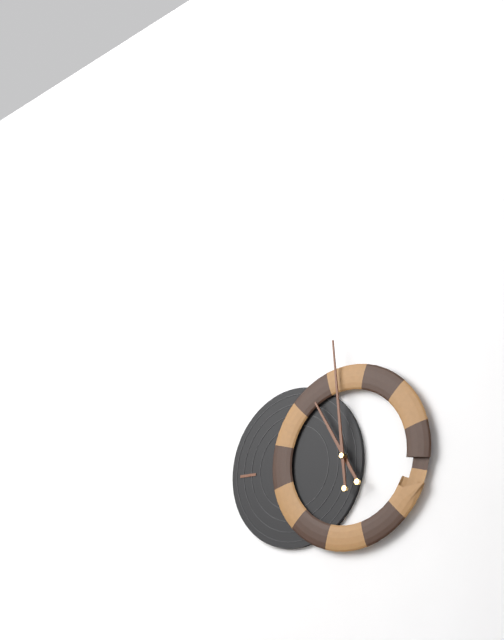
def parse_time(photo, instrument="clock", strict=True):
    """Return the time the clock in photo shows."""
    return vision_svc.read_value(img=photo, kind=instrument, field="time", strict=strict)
10:59
